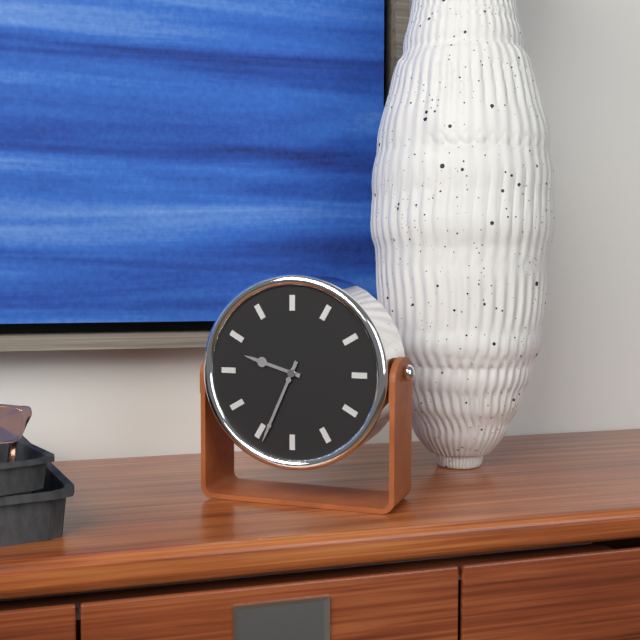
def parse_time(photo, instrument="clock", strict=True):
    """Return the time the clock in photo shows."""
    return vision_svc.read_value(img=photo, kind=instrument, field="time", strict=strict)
9:34
